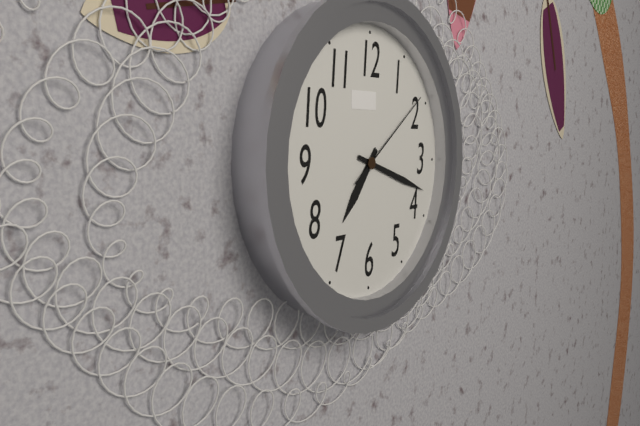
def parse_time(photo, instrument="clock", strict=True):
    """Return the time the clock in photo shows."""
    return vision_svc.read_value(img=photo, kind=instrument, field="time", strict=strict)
7:18:09
